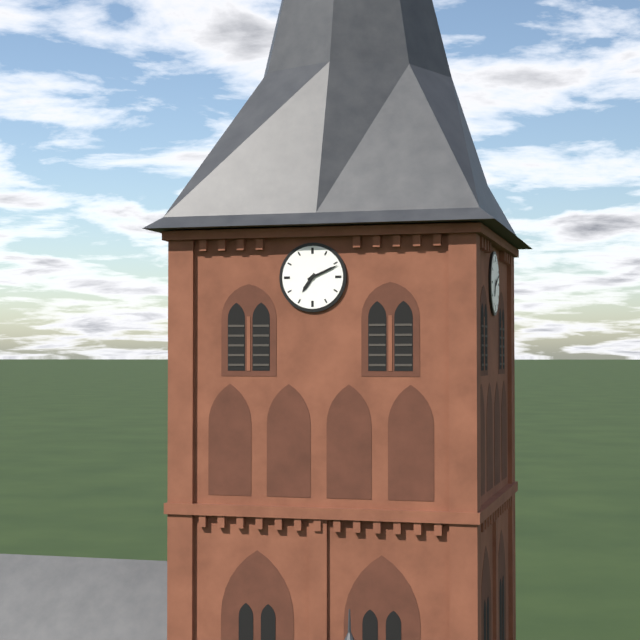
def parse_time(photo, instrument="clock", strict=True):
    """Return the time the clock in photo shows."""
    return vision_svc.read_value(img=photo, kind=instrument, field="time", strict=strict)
7:11
